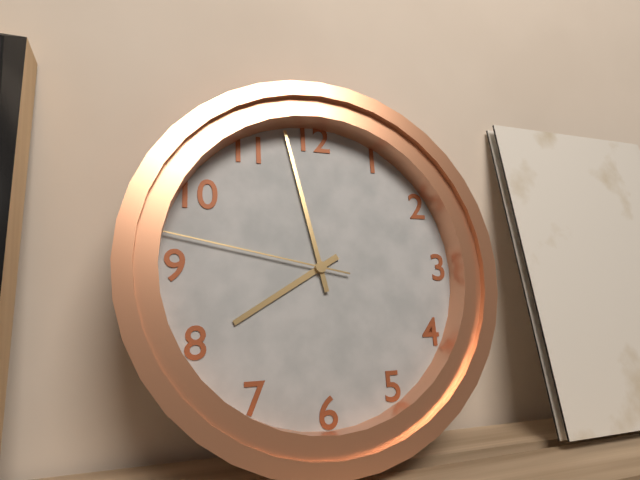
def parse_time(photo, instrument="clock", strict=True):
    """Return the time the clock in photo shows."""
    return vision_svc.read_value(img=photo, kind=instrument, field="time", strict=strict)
7:58:47
